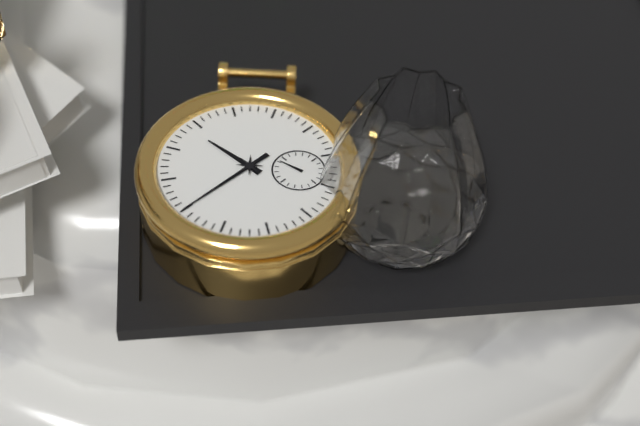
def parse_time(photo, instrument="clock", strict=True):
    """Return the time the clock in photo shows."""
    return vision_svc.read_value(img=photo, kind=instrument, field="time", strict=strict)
11:45
